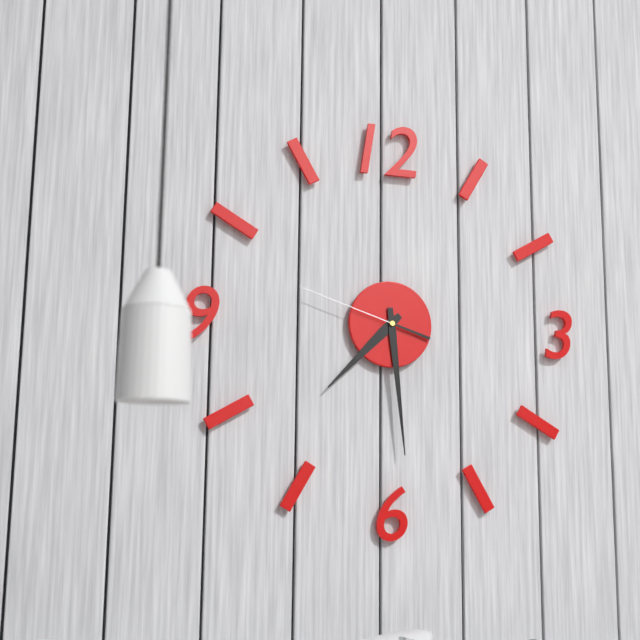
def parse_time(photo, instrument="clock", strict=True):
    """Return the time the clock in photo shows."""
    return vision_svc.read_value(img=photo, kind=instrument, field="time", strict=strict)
7:29:48
